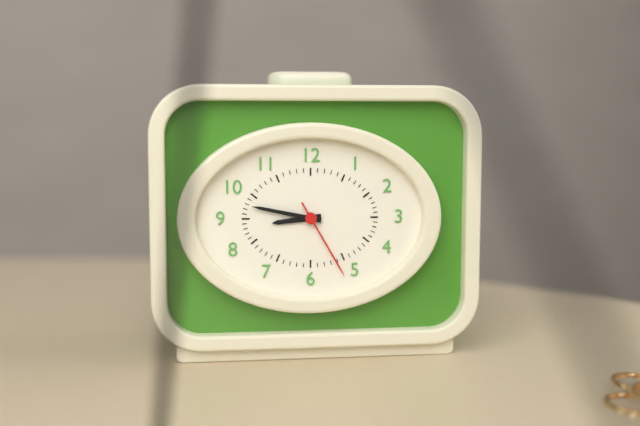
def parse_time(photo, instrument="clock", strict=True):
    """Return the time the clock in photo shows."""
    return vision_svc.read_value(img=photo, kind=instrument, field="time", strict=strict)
8:47:25
